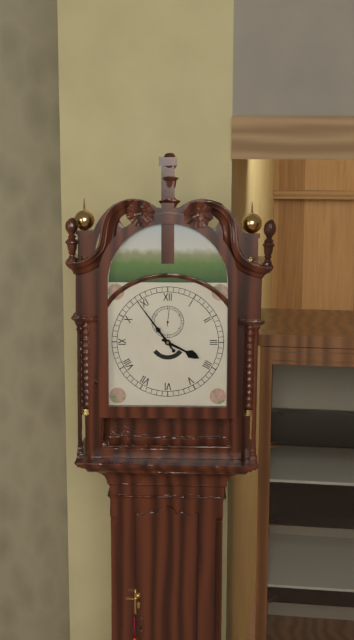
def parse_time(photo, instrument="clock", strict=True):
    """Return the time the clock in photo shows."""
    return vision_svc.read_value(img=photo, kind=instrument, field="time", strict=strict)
3:54
